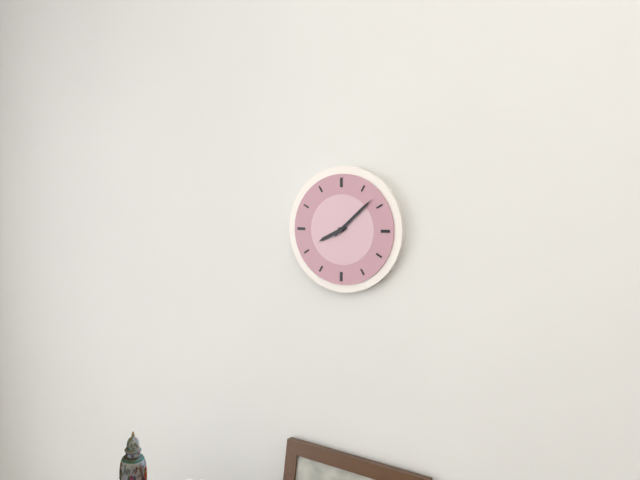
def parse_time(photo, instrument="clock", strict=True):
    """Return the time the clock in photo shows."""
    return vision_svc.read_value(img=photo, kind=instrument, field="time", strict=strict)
8:08
